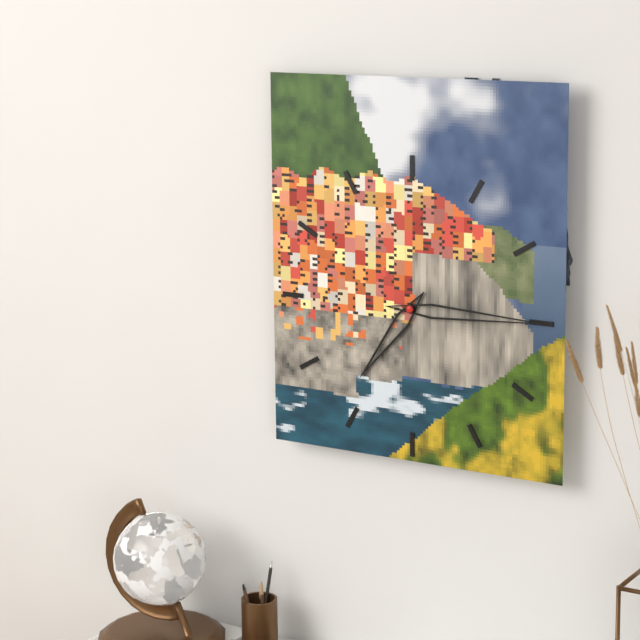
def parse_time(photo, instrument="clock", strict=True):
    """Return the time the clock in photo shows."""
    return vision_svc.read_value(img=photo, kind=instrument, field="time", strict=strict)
7:15
